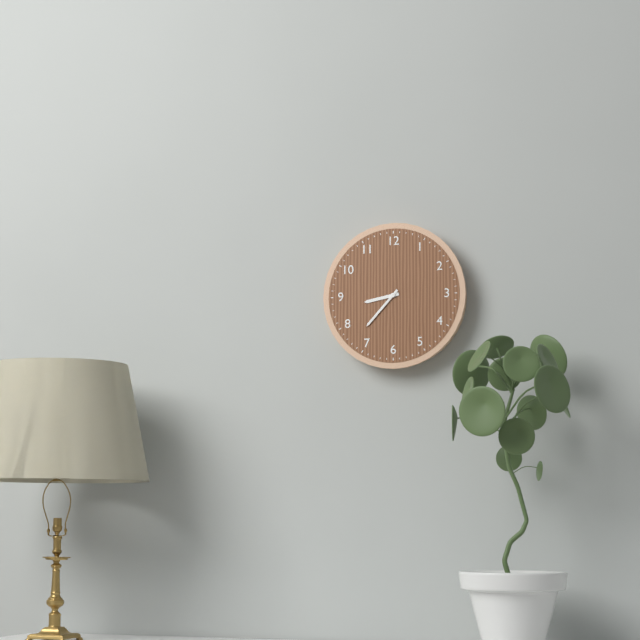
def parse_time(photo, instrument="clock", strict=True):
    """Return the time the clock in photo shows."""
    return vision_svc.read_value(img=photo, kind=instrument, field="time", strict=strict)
8:37
